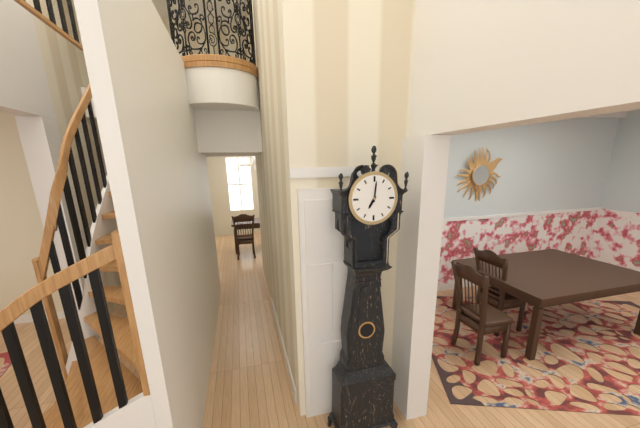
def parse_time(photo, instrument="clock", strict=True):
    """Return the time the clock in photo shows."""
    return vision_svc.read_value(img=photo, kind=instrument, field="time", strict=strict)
7:01
